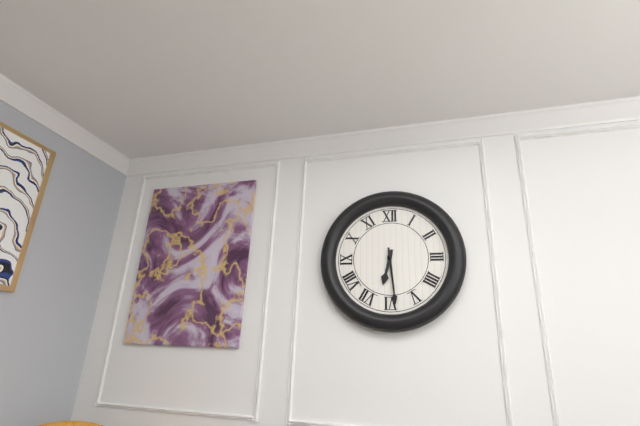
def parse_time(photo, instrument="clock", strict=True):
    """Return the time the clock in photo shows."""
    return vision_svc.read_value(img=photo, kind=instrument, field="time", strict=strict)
6:29
